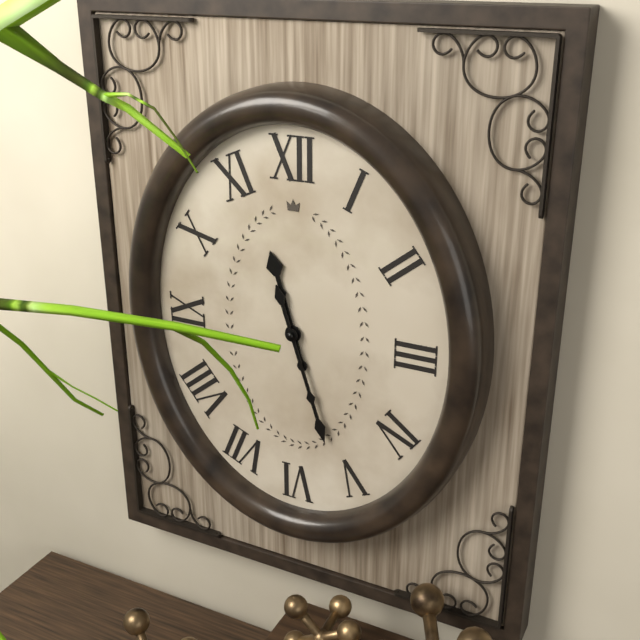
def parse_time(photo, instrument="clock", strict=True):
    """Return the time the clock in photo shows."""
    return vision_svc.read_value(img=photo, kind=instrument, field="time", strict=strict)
11:27
